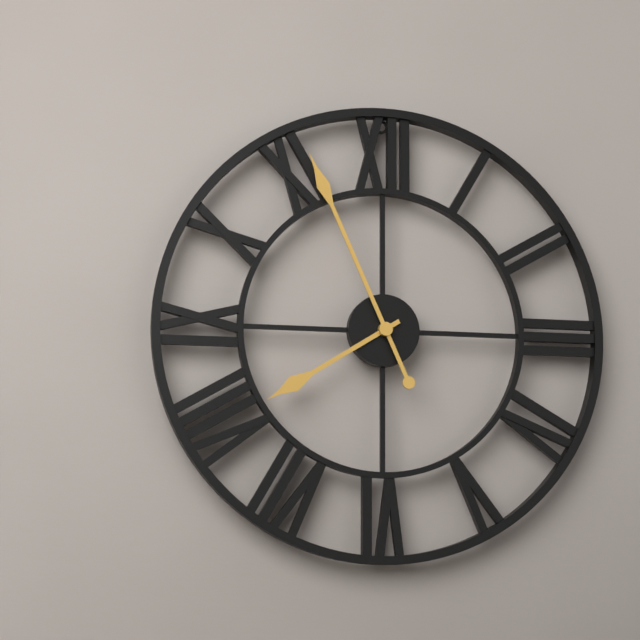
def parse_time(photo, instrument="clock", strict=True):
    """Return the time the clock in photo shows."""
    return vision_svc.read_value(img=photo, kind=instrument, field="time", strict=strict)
7:56
